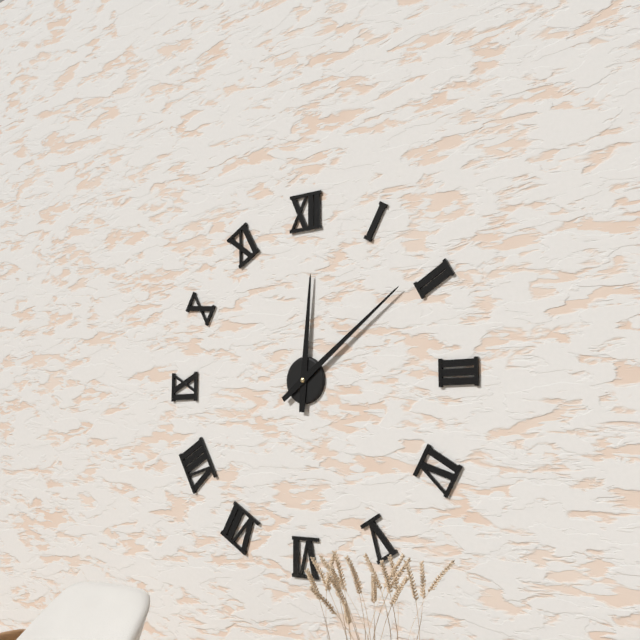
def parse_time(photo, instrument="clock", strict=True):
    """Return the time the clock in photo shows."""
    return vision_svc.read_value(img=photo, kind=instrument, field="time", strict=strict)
12:09
